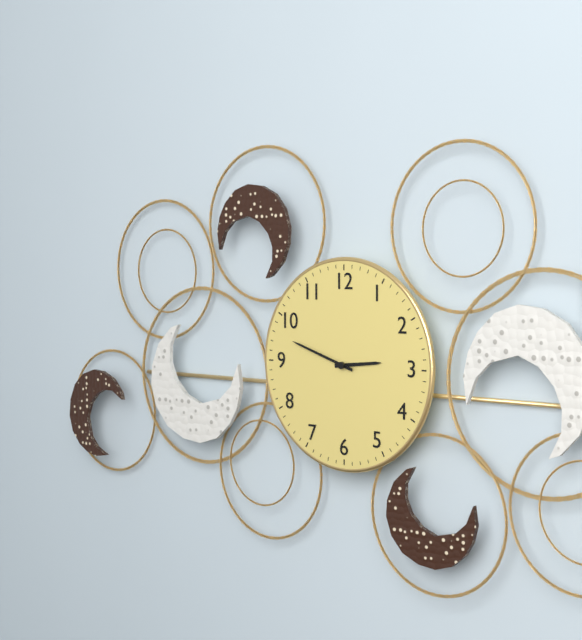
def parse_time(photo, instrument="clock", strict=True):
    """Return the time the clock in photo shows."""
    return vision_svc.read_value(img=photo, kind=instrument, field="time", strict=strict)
2:48
